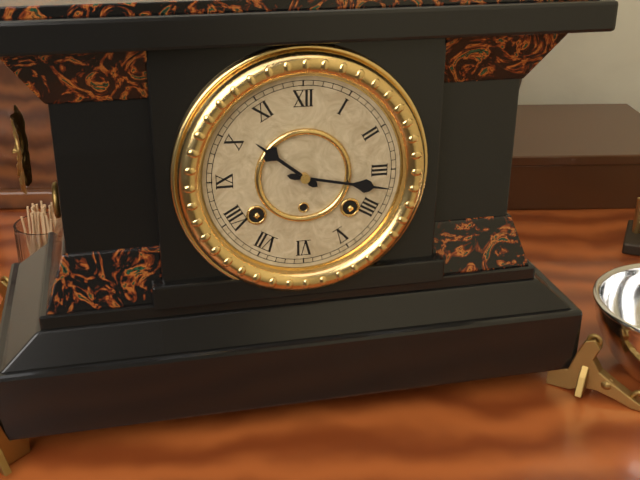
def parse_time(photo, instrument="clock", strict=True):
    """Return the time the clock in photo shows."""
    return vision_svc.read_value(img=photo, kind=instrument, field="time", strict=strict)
10:17
